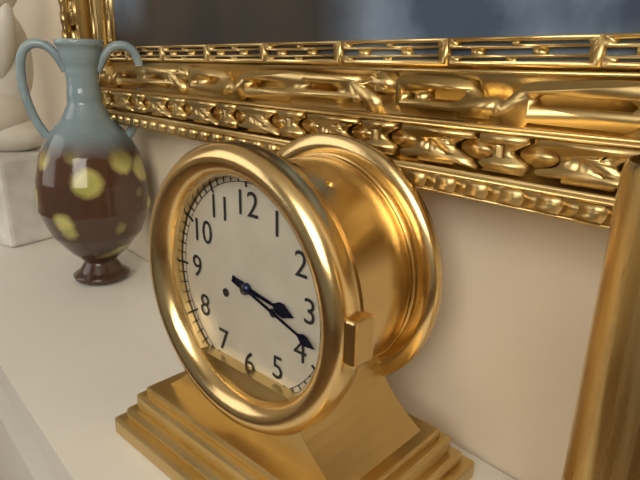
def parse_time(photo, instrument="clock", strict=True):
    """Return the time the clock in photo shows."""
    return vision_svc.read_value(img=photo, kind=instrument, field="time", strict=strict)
3:18
